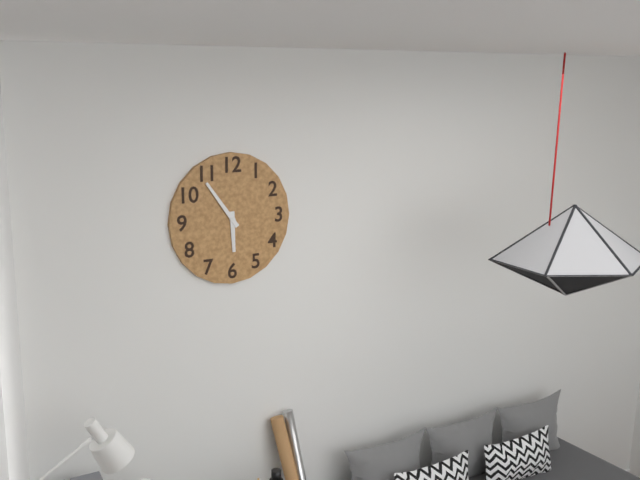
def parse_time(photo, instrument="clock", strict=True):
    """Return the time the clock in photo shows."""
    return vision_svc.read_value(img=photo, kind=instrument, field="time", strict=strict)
5:54
